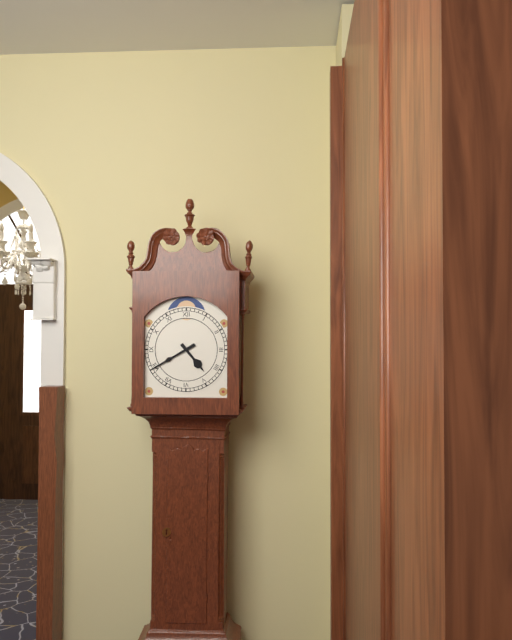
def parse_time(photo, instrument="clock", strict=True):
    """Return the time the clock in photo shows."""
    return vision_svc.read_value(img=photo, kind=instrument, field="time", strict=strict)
4:40
